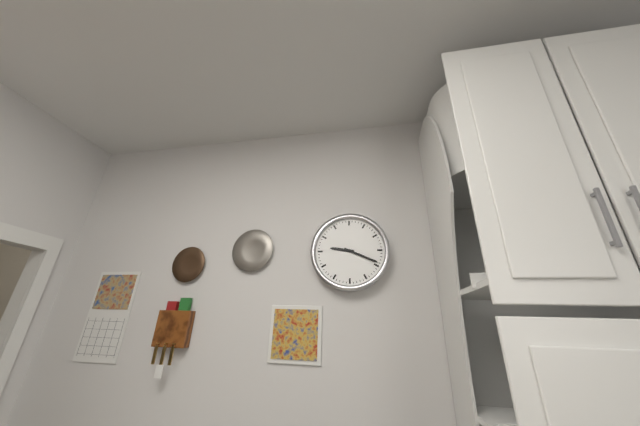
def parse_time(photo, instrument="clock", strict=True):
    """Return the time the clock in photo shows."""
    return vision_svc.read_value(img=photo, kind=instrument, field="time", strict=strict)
9:19
